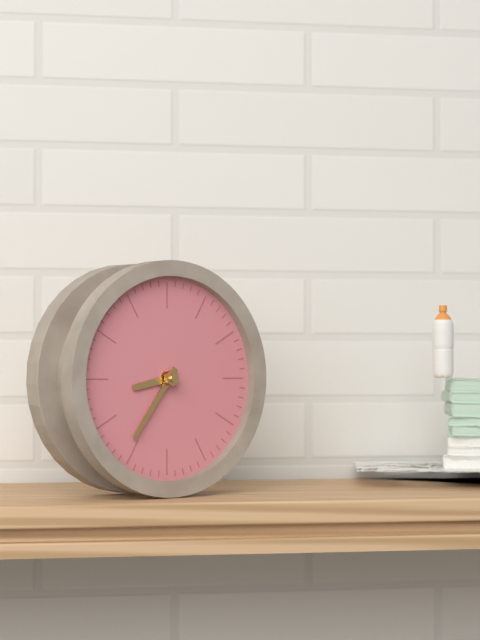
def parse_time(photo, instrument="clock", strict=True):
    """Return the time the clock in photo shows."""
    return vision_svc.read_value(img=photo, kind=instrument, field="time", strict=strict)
8:36
